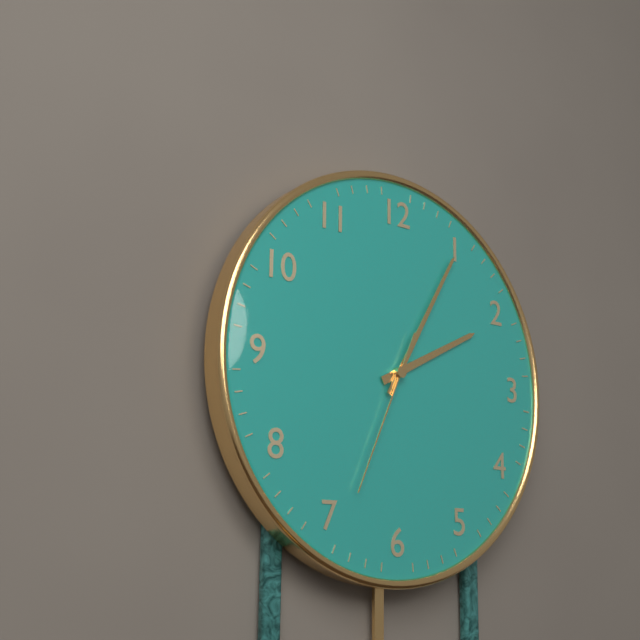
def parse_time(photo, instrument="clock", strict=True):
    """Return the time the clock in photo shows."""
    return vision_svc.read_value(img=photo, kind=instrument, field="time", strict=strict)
2:05:34
